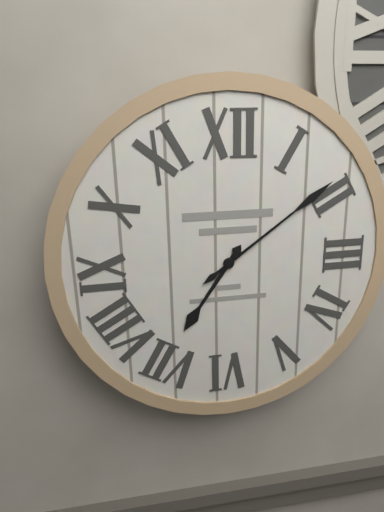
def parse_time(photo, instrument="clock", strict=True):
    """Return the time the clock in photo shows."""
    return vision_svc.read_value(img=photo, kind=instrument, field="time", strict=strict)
7:09
